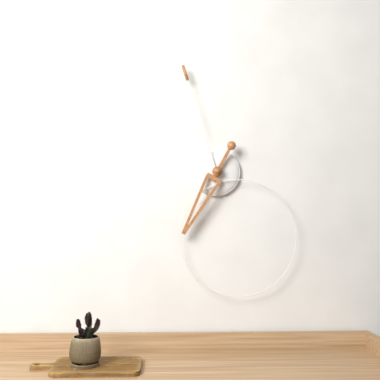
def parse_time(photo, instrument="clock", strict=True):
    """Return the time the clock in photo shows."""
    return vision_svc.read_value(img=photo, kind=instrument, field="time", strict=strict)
6:57
